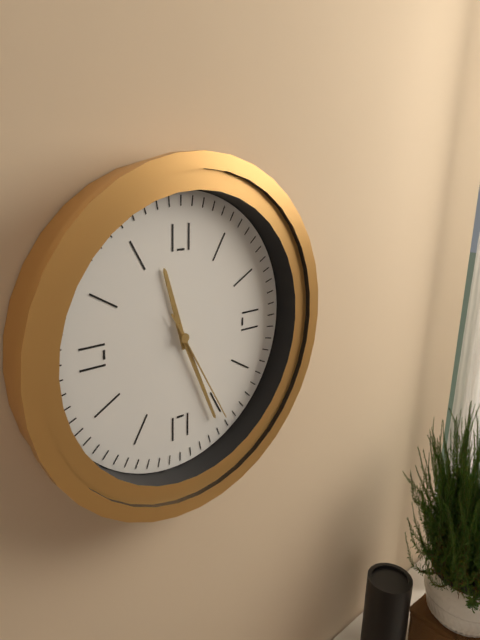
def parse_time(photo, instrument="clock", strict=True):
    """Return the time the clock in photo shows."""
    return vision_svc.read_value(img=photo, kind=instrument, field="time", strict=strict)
11:26:25
